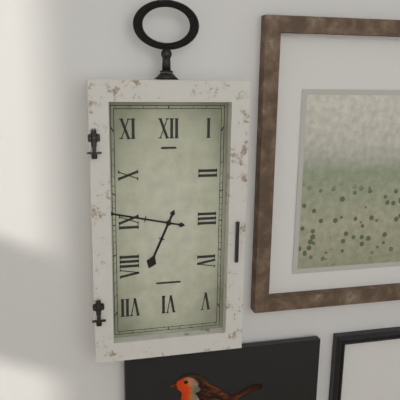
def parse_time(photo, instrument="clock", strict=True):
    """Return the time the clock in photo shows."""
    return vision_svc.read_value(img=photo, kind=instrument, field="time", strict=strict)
6:47
